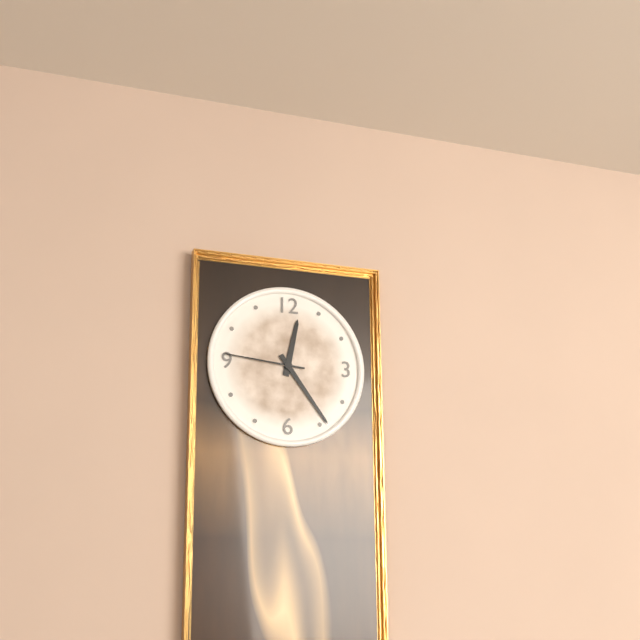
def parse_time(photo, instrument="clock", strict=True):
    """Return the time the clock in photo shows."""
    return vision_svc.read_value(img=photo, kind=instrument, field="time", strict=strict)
12:24:46
